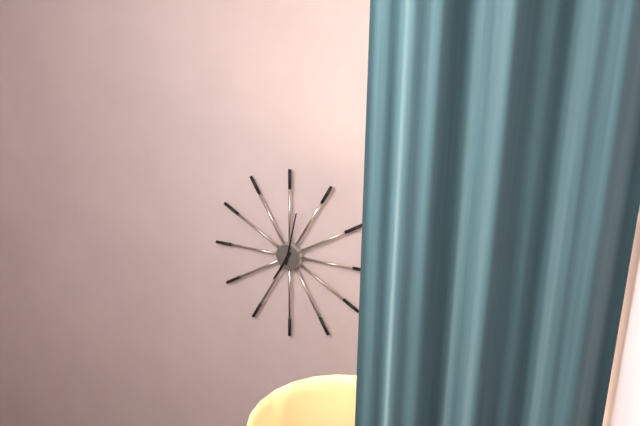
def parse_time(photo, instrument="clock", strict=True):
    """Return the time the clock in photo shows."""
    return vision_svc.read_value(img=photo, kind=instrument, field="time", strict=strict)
7:02
